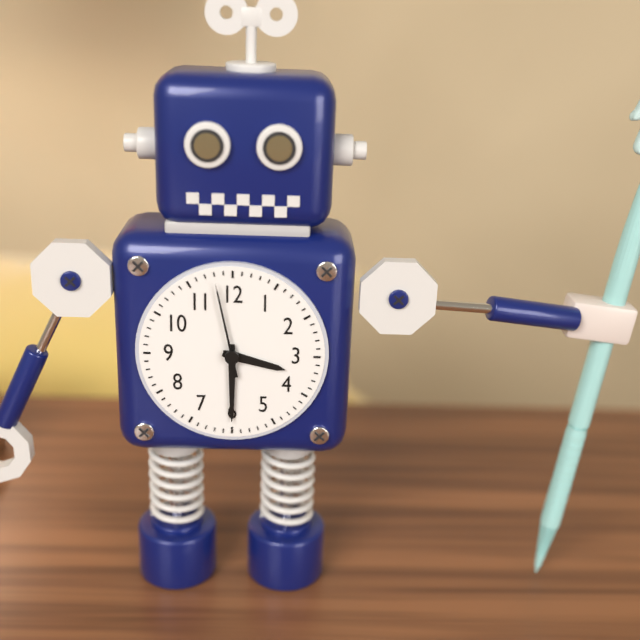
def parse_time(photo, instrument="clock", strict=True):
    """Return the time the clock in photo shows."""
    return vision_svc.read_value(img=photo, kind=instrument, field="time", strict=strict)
3:30:58
